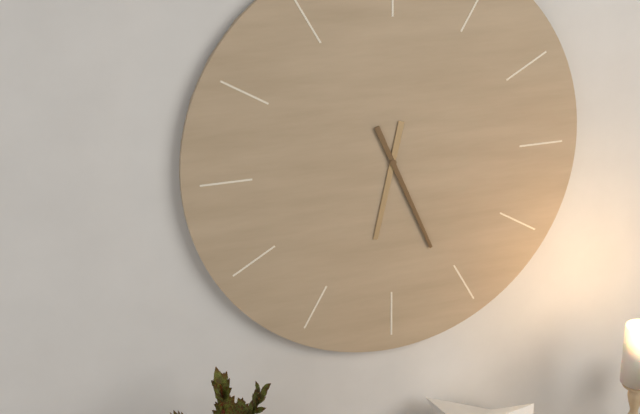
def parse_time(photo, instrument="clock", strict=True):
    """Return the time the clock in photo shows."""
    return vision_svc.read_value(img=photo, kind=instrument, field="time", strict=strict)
6:26
